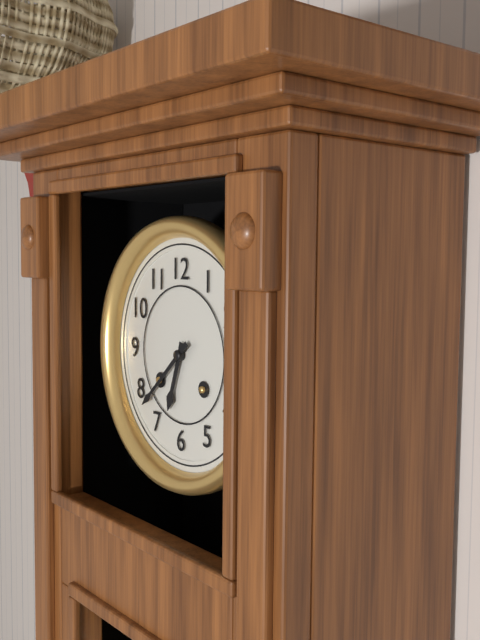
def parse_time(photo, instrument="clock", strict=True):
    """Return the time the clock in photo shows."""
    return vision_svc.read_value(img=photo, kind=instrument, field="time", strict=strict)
6:38
